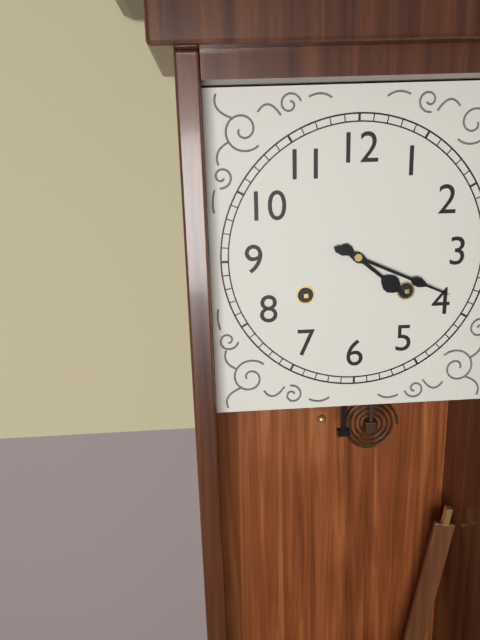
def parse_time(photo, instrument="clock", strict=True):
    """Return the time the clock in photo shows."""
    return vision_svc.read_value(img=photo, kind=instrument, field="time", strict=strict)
4:19
